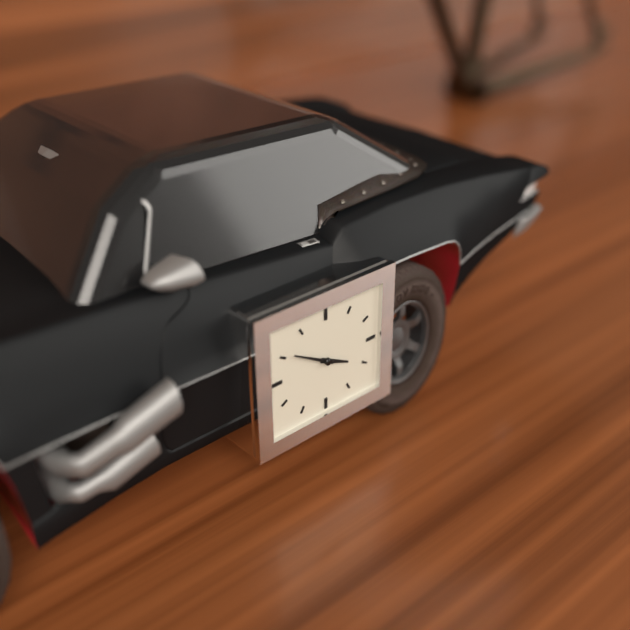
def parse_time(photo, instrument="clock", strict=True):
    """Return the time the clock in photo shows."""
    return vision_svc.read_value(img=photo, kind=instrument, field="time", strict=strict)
3:50
